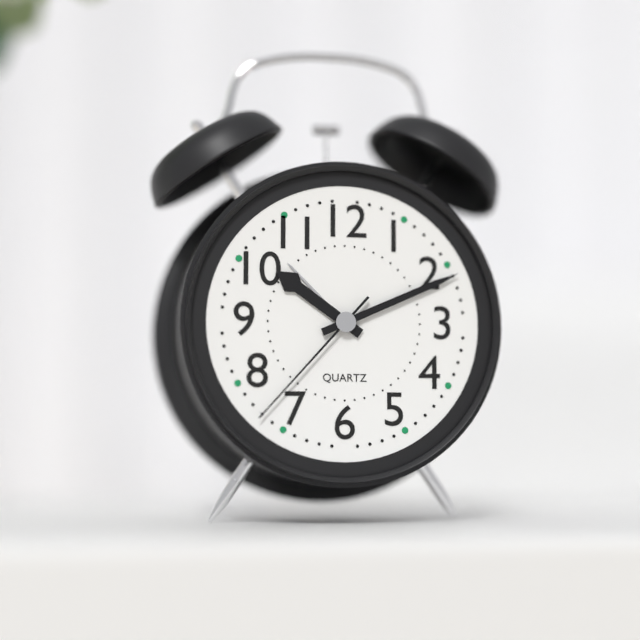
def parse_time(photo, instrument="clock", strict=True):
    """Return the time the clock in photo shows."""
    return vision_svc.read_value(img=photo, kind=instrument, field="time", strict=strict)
10:11:37
